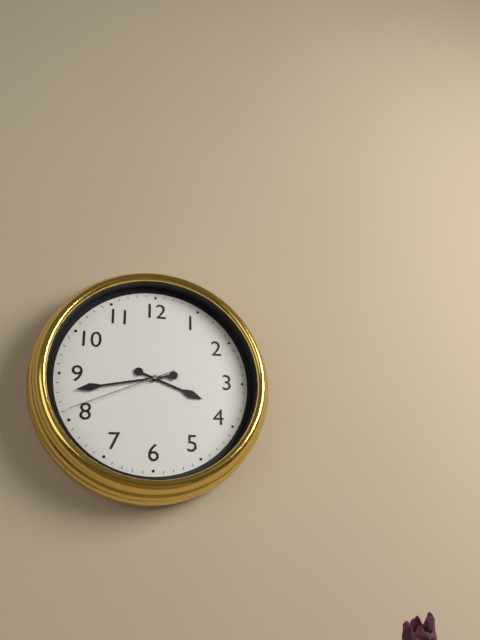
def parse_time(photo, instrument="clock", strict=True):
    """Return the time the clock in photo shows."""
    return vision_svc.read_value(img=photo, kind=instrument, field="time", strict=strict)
3:43:41
